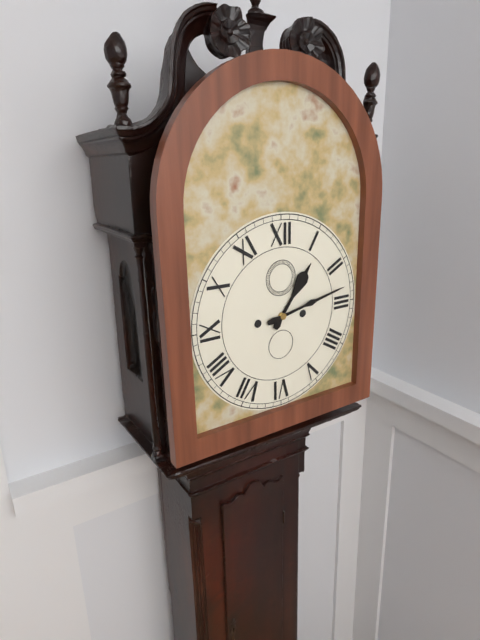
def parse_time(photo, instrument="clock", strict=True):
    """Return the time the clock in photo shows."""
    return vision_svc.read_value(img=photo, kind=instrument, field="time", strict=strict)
1:13
